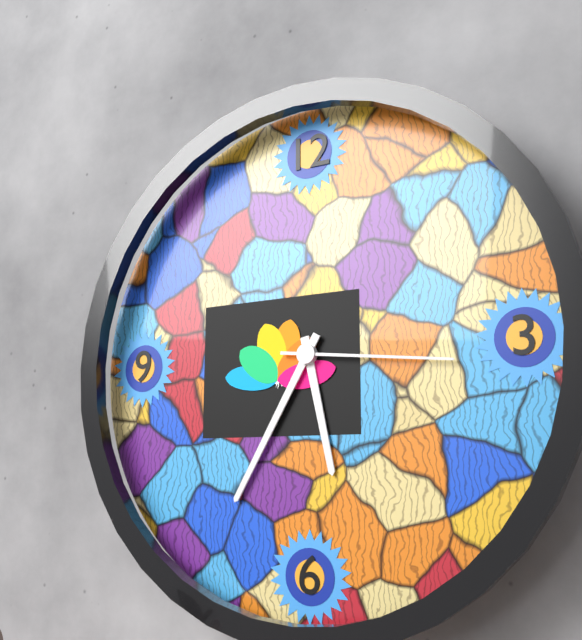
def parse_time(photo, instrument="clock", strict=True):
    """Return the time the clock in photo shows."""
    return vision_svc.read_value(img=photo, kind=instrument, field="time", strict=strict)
5:35:16
